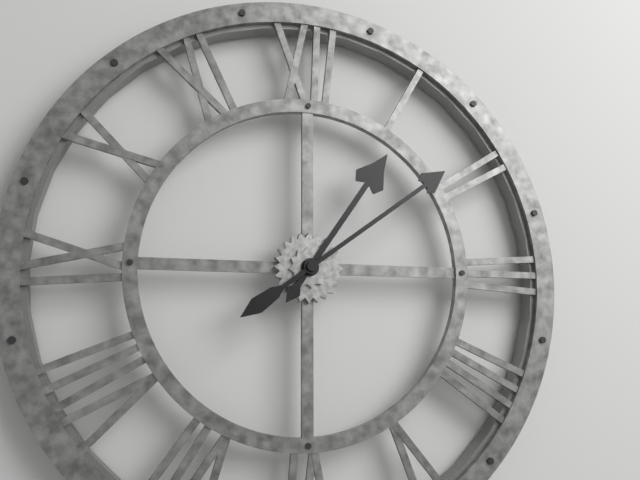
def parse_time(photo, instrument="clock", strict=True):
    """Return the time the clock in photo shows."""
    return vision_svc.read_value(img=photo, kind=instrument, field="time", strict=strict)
1:09
